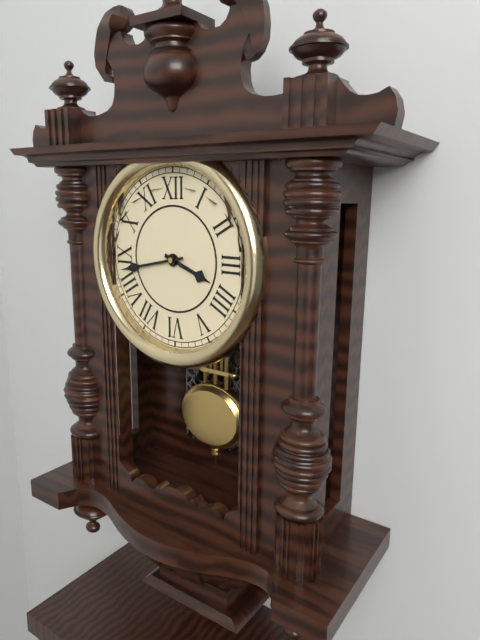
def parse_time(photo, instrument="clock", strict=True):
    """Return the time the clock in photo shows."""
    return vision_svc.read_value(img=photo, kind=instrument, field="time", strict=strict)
3:43
